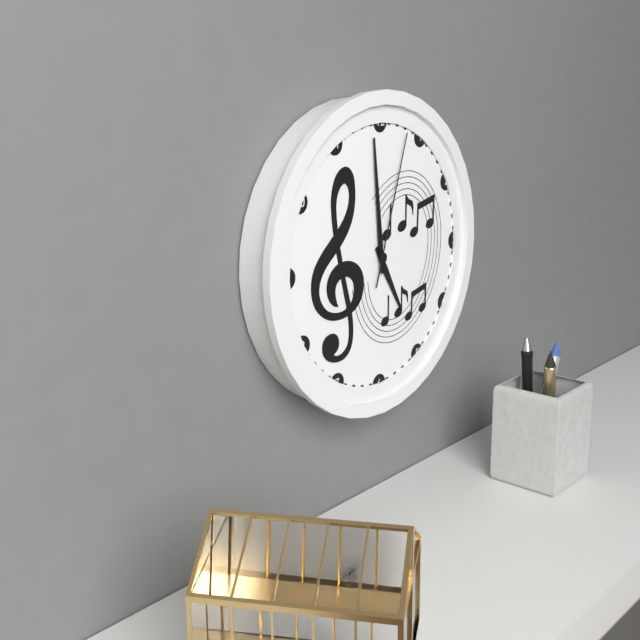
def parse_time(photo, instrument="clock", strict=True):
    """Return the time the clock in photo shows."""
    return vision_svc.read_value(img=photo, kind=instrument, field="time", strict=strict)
4:59:03
